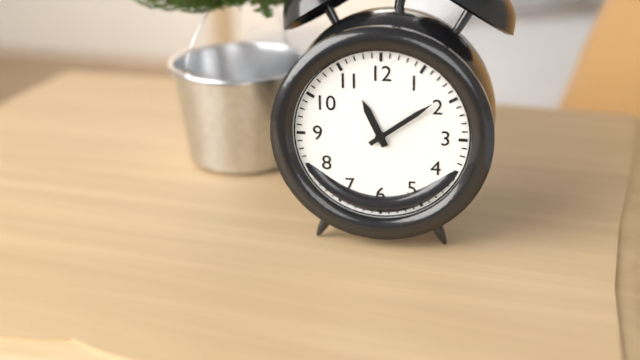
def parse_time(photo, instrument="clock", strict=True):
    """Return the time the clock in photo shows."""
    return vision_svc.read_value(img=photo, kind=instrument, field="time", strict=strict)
11:09
